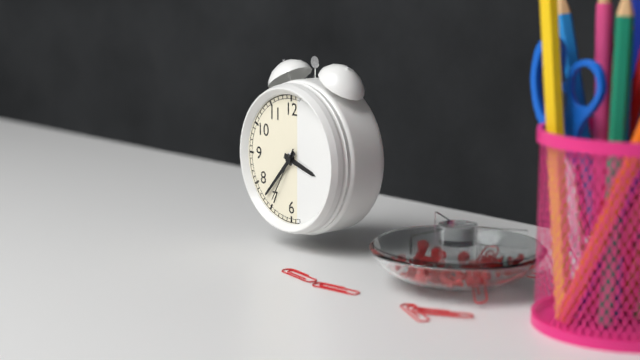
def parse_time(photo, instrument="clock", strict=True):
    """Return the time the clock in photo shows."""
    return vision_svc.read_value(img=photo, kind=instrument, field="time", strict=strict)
3:37:35
